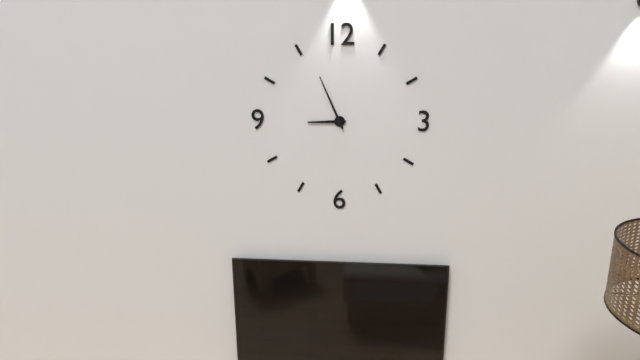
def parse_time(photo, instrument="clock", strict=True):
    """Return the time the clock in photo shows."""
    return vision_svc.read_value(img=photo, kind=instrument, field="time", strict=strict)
8:56
